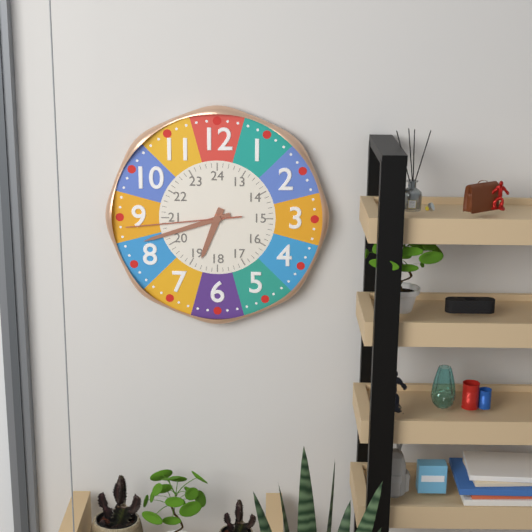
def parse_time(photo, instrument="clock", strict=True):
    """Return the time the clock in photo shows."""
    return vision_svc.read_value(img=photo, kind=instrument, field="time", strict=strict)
6:42:44
